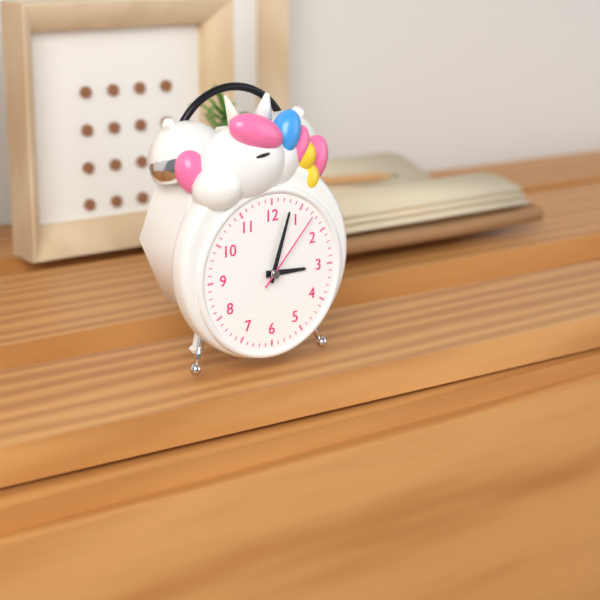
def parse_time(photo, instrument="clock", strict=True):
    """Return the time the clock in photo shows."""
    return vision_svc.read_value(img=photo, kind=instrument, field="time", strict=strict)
3:03:07
